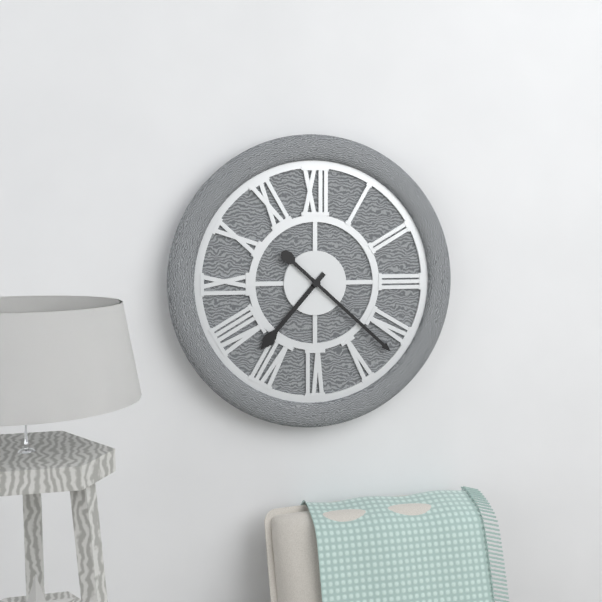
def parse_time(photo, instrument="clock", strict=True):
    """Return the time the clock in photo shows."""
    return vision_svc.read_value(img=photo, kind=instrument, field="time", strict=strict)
7:22
